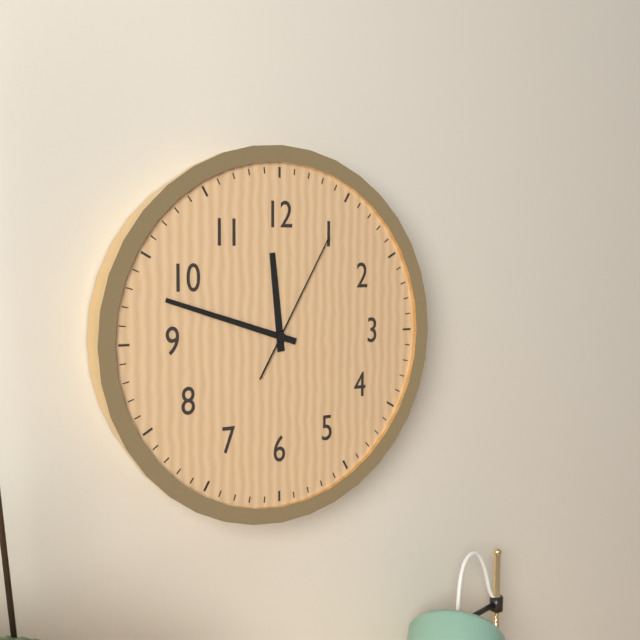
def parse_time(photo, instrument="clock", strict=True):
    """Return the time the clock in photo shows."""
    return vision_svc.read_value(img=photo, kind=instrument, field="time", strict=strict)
11:48:05
